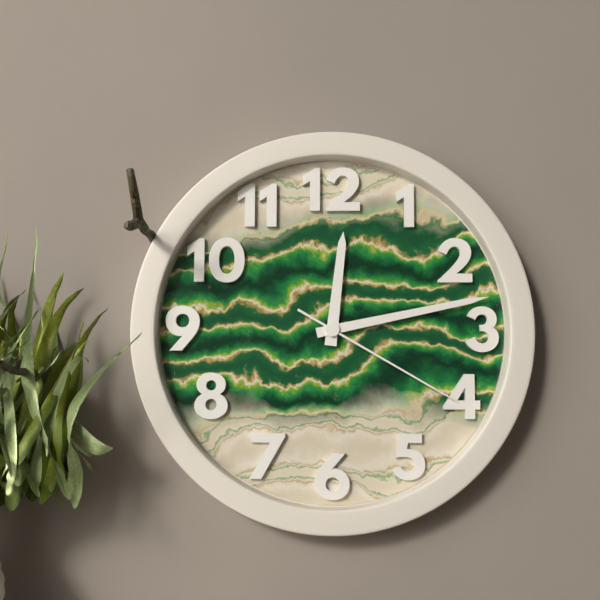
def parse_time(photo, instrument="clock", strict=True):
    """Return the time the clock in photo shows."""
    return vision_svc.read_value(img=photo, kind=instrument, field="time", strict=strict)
12:13:20
